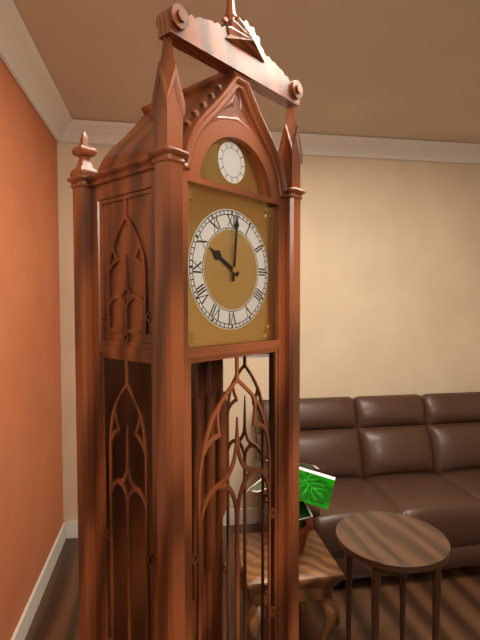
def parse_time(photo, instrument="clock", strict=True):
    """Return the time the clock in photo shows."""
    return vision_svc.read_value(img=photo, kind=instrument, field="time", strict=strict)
10:01
